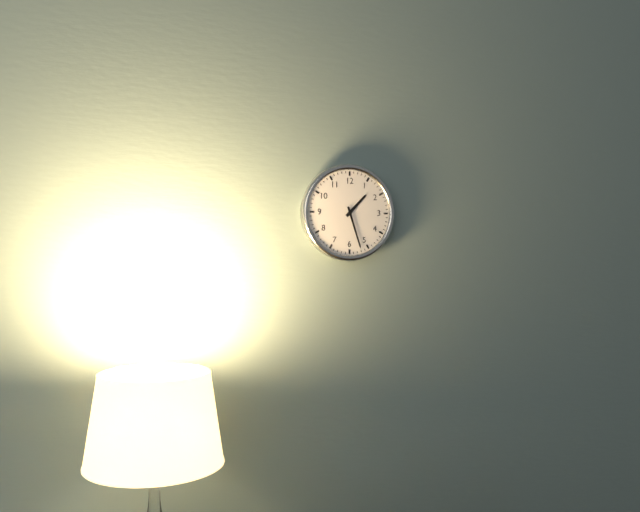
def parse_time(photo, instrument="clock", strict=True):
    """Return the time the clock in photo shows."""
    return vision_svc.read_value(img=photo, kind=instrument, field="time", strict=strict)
1:27
